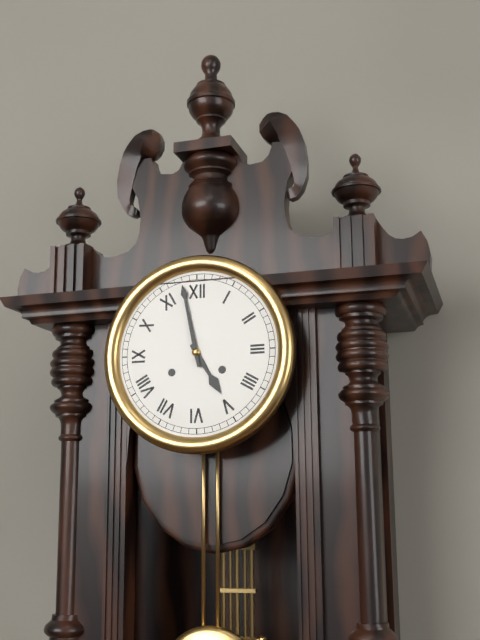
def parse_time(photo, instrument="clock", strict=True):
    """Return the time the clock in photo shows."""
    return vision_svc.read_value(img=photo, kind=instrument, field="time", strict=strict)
4:58
